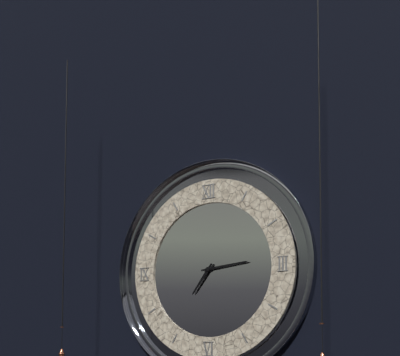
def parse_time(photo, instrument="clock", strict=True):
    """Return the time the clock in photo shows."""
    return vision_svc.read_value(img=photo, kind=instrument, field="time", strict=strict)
7:14
